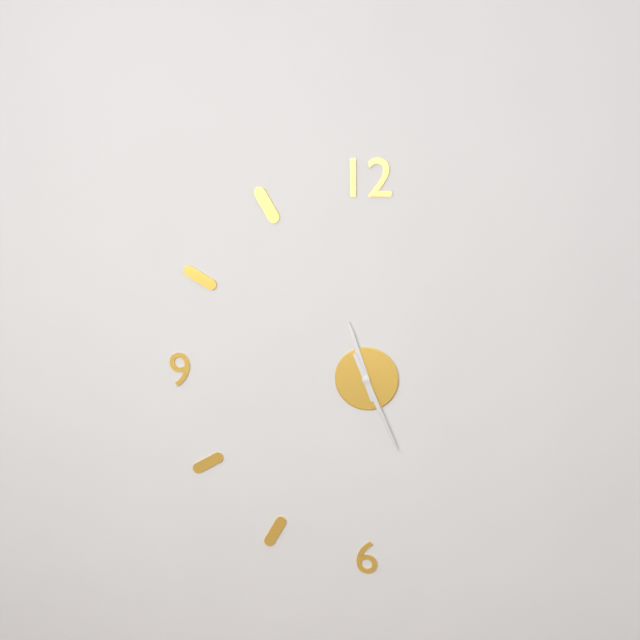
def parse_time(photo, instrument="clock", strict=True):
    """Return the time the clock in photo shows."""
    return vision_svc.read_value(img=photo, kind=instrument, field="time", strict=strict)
11:26
